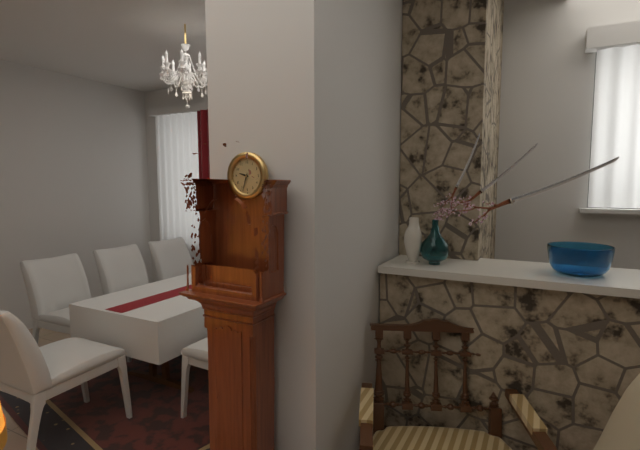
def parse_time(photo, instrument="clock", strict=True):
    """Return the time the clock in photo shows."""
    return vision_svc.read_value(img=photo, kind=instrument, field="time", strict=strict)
9:33
